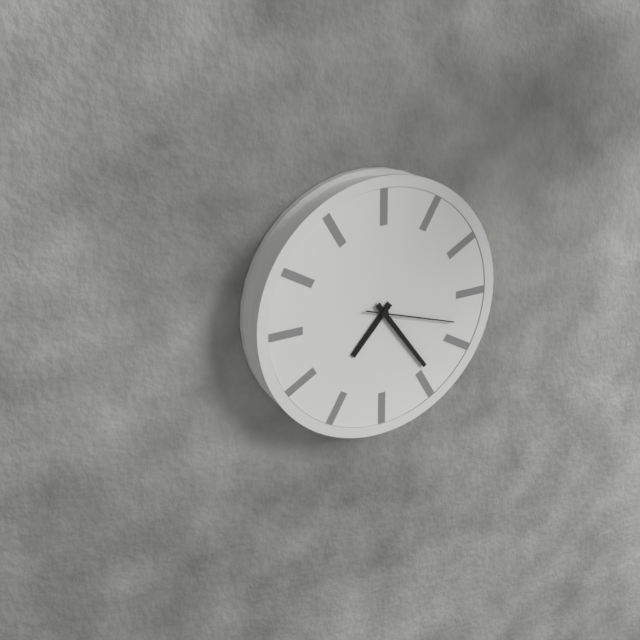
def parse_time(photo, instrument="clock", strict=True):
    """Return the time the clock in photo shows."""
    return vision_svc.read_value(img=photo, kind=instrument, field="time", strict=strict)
7:24:18
